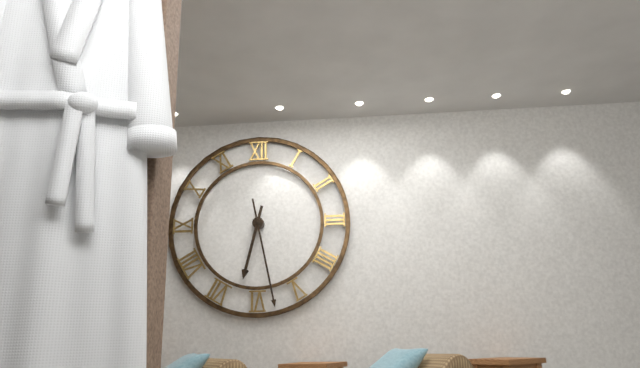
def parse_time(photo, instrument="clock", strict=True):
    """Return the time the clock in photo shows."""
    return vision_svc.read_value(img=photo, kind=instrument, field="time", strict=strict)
6:28
